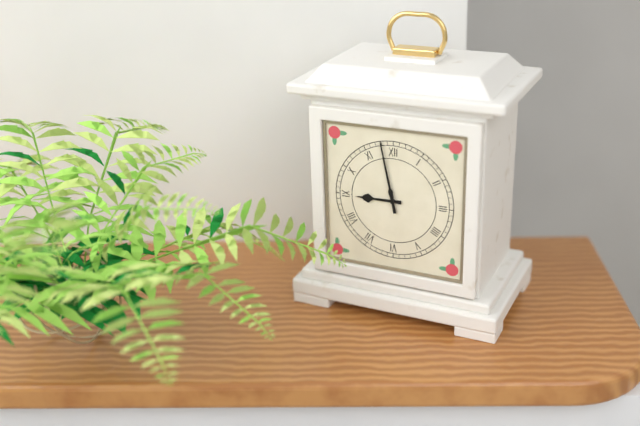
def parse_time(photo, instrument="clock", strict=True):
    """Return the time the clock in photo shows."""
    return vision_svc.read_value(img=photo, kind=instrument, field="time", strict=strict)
8:58
